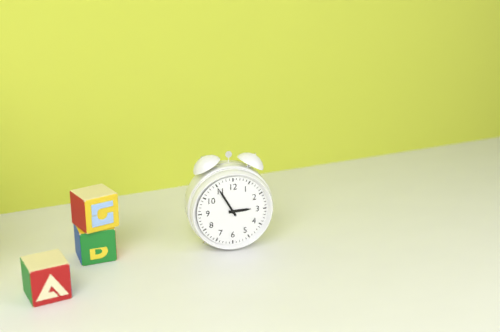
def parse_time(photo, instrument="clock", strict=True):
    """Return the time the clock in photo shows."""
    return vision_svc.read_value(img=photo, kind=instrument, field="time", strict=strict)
2:55
